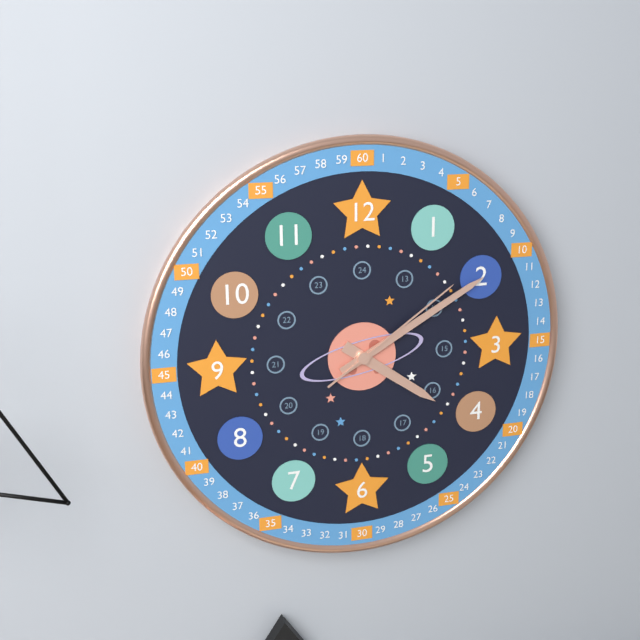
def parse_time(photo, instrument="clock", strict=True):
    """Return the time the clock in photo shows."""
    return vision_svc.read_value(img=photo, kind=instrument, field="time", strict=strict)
4:10:09
